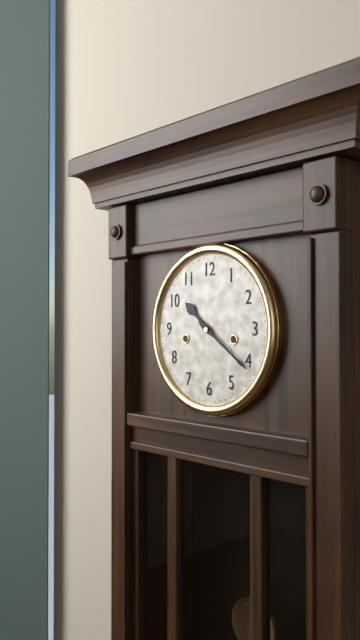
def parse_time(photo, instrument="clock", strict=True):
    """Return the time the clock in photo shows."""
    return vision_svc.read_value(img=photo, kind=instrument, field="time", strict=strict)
10:21
